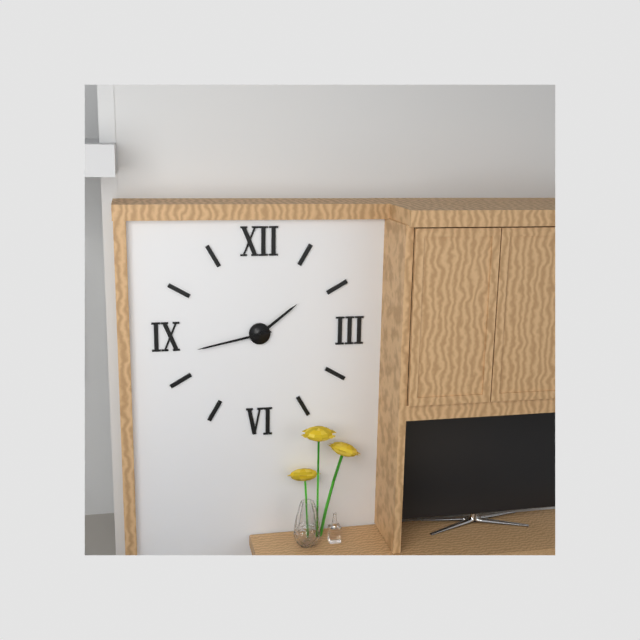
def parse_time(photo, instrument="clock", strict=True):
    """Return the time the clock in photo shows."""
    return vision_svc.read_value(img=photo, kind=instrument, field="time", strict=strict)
1:43
